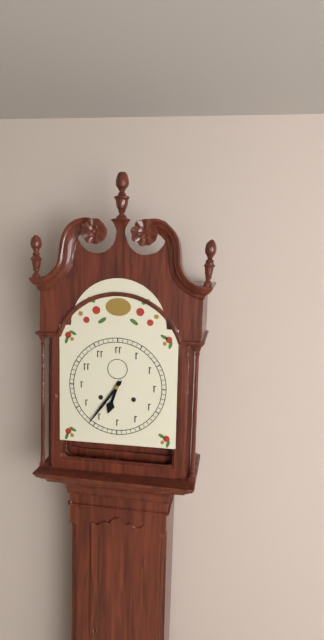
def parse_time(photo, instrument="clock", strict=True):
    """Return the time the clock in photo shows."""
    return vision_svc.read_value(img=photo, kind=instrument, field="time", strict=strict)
6:36
